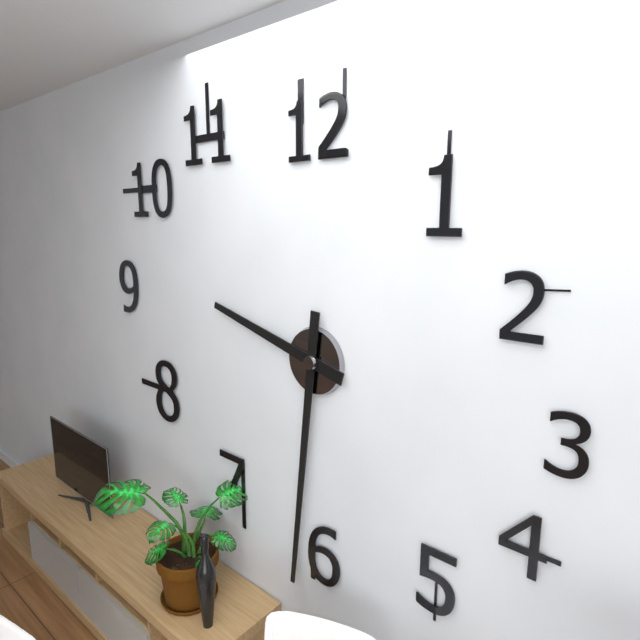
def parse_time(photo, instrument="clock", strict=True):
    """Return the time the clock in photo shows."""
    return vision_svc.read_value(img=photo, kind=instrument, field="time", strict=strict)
9:31
